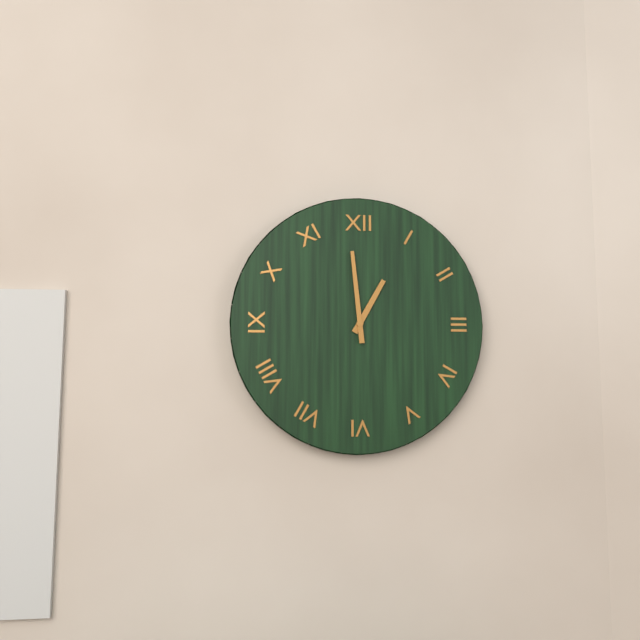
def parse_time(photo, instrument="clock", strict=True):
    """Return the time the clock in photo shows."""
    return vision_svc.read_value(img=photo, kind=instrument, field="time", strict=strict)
12:59
